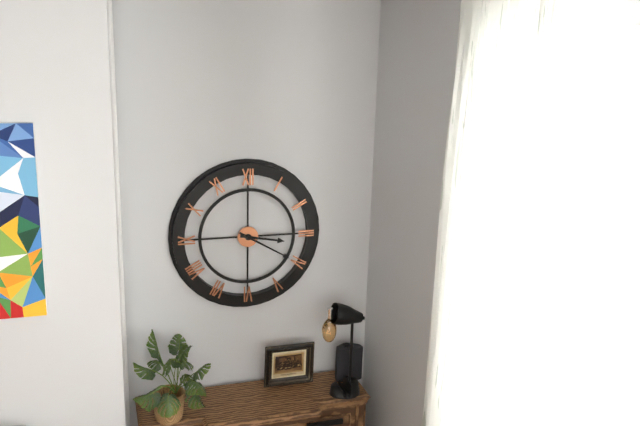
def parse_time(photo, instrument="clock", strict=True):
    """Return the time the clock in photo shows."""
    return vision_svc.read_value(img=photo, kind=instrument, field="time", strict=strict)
3:20
